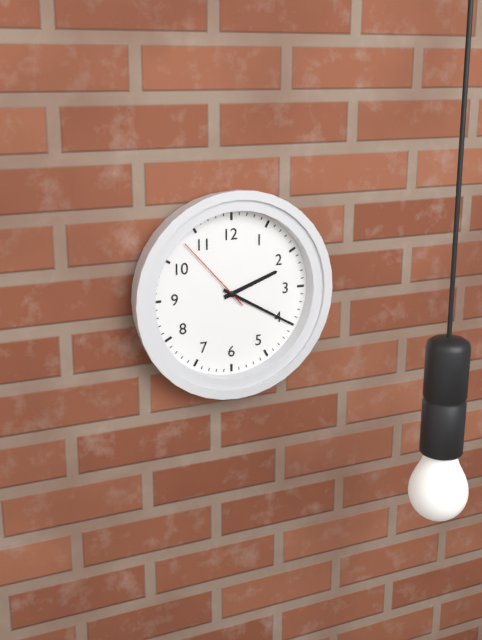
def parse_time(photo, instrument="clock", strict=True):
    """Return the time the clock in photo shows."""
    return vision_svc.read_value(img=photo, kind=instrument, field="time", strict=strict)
2:20:53
